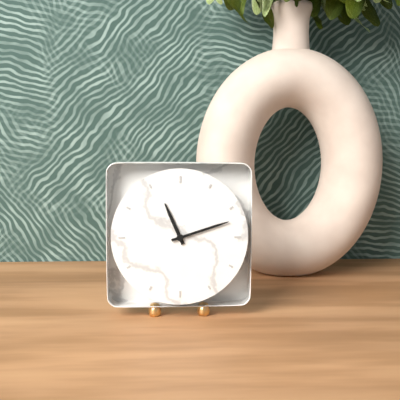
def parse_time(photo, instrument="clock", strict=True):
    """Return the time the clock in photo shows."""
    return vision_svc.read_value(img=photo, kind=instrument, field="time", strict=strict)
11:12
